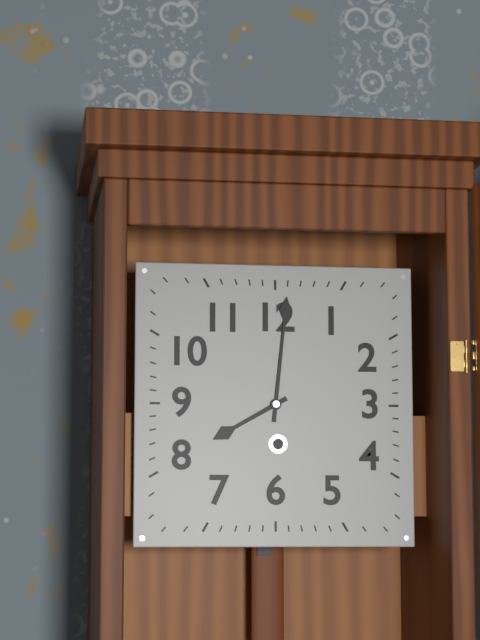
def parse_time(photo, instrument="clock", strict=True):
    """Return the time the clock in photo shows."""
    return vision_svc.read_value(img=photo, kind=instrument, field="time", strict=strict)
8:01
